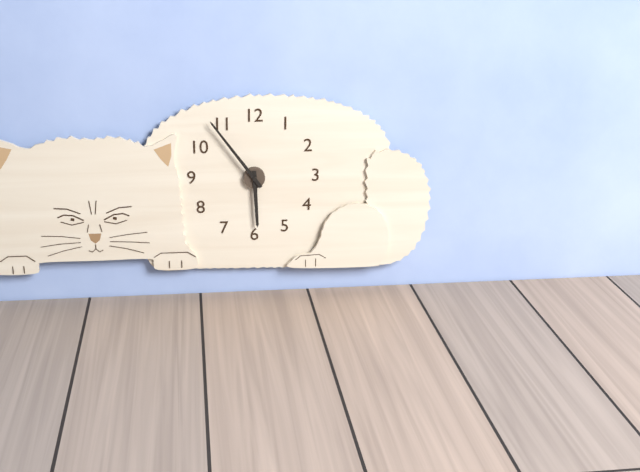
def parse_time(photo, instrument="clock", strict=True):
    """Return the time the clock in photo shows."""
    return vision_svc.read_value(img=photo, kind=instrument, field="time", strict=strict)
5:54
